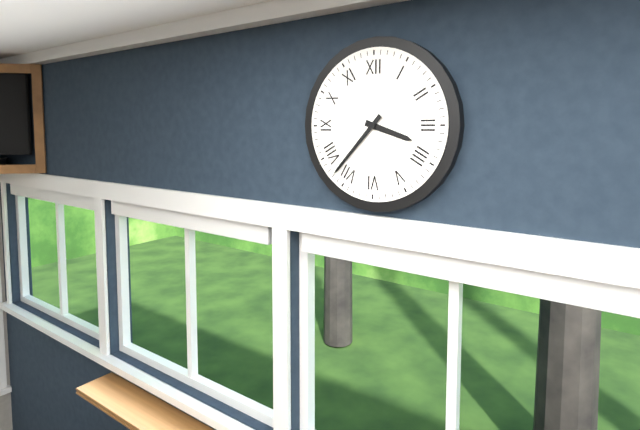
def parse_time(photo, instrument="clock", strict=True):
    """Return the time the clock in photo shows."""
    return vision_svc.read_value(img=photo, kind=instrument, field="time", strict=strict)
3:37
